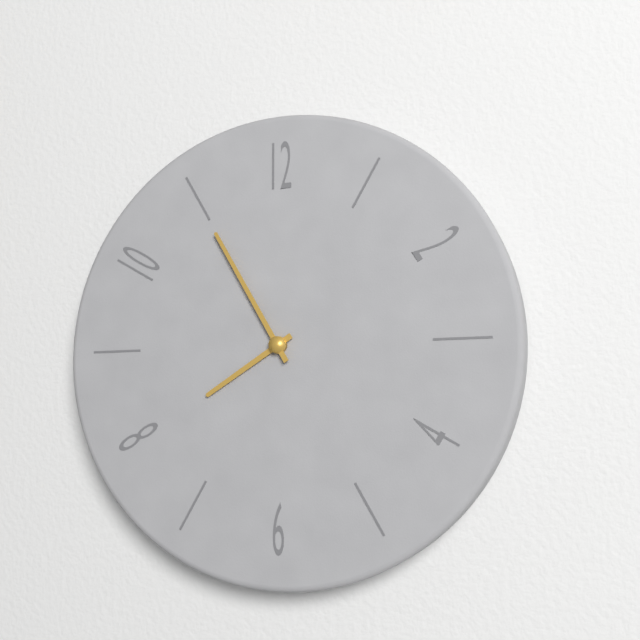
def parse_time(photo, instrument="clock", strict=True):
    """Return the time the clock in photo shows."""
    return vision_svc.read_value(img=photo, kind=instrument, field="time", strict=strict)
7:55
